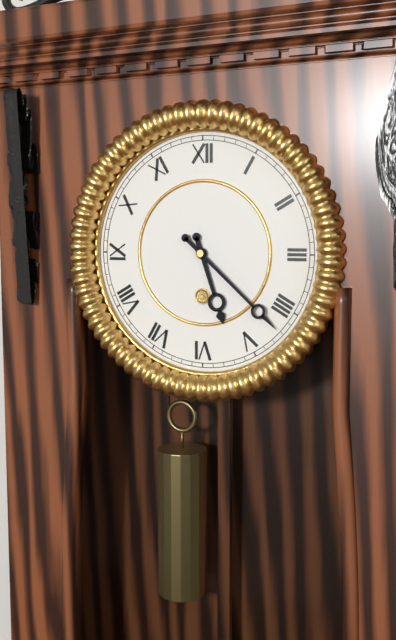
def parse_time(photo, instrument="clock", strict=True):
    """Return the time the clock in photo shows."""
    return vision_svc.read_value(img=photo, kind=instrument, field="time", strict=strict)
5:22
